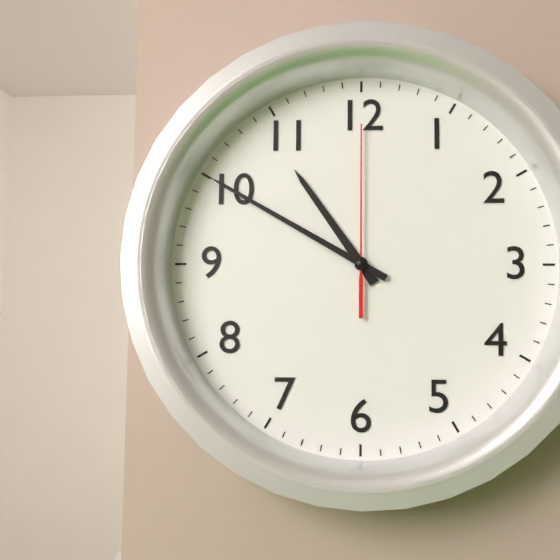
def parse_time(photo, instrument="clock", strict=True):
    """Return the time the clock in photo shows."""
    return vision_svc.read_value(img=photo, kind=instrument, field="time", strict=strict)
10:50:00
